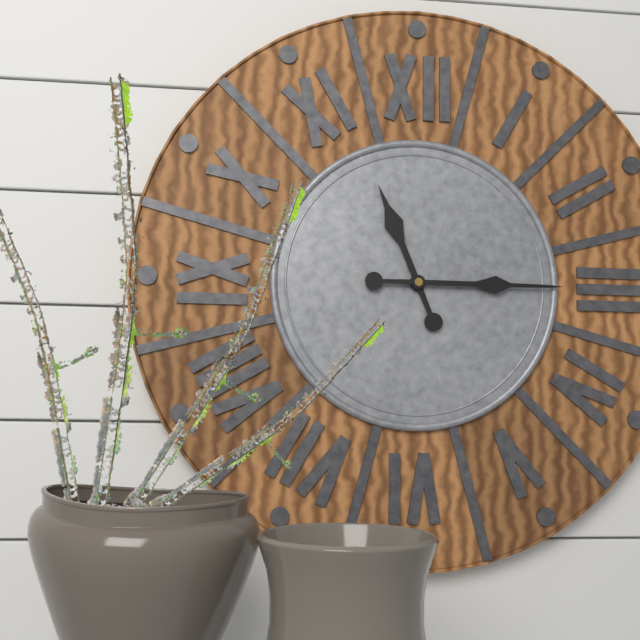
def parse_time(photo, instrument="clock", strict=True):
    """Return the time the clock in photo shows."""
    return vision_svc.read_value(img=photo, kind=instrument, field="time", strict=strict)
11:15
